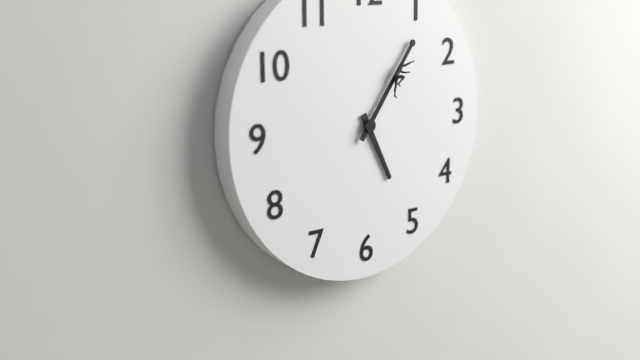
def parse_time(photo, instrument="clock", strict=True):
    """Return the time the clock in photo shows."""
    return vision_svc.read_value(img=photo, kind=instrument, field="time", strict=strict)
5:06
